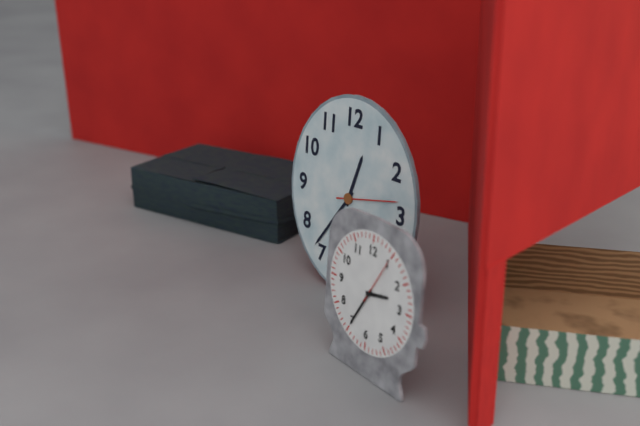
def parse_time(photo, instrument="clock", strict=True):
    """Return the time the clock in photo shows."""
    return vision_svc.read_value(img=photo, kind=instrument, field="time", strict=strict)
12:36:13
